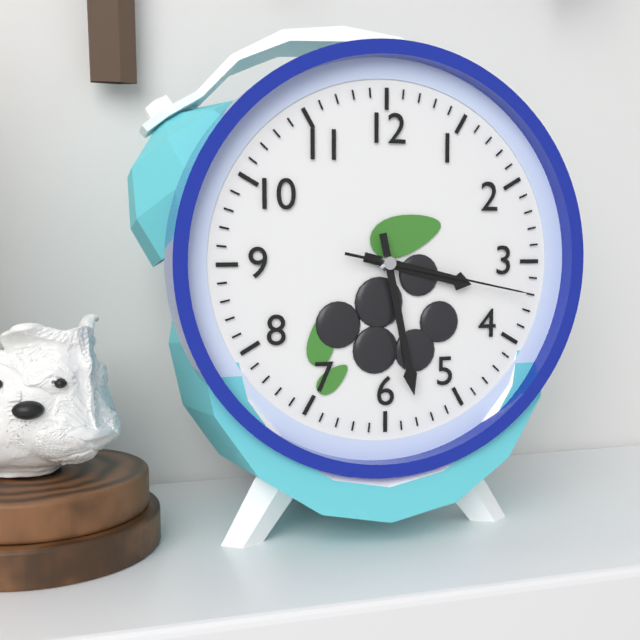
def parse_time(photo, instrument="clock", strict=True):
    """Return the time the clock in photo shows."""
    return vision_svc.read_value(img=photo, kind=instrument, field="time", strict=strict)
3:28:17
